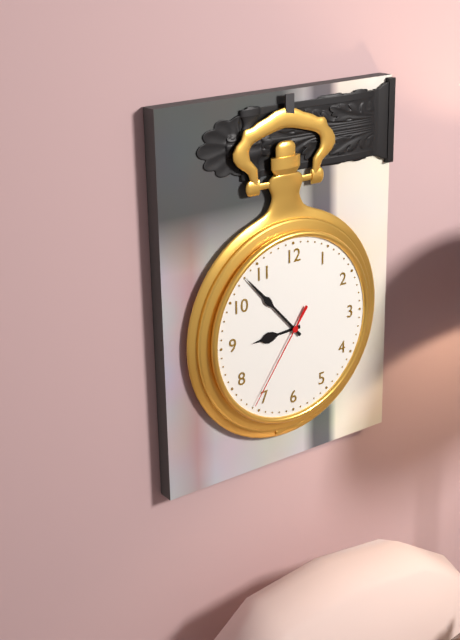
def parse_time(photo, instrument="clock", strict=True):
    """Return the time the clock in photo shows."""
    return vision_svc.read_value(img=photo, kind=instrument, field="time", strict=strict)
8:53:36
